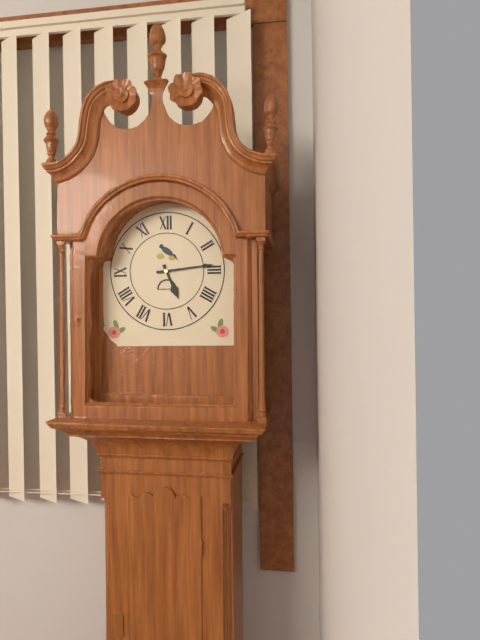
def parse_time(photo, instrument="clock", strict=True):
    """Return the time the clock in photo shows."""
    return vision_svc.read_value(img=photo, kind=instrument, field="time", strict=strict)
5:14
